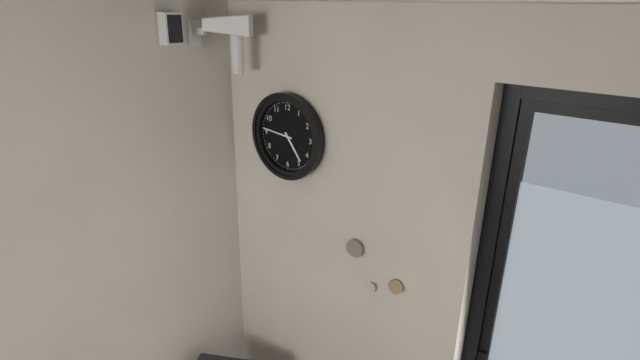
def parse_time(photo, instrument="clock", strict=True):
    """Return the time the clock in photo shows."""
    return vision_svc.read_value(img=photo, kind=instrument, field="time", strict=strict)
4:46
